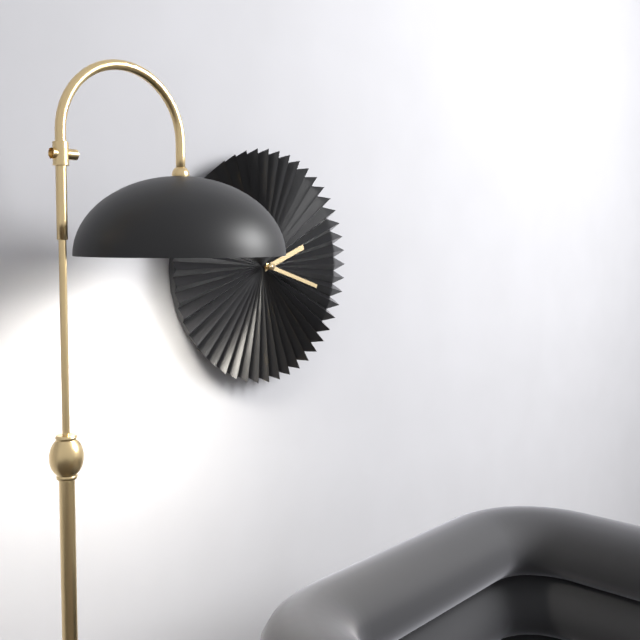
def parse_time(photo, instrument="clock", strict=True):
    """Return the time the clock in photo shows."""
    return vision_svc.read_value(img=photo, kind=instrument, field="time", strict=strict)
2:18
